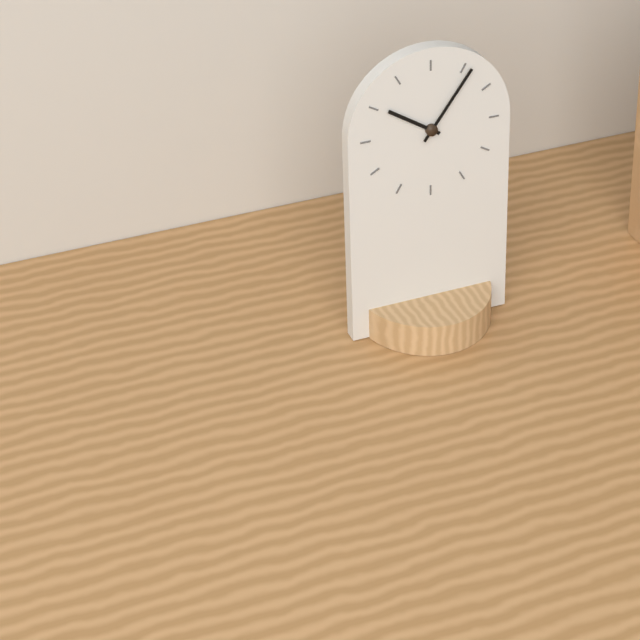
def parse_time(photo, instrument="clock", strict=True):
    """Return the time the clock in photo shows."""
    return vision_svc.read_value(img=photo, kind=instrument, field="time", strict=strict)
10:06
